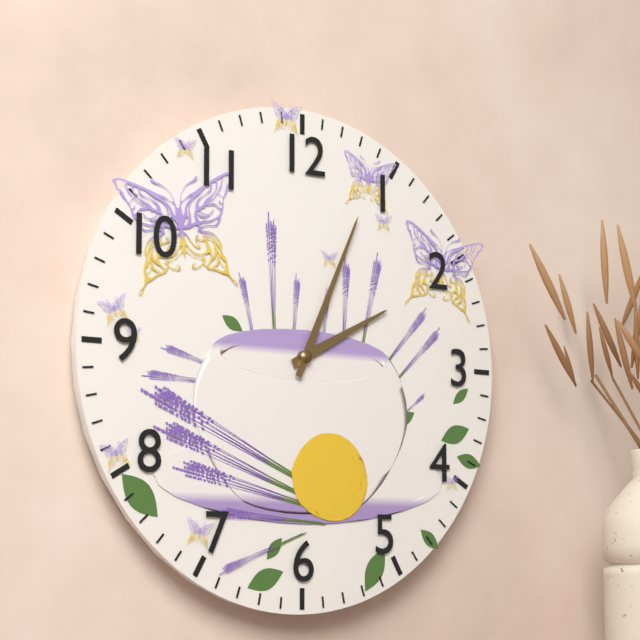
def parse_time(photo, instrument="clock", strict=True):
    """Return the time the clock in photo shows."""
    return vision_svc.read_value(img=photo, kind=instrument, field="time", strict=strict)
2:04
